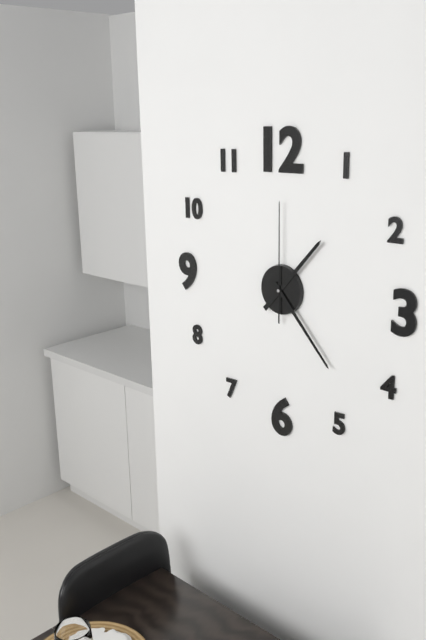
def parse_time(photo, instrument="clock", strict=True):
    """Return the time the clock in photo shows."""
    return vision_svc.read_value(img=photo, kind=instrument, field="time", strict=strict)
1:23:00
